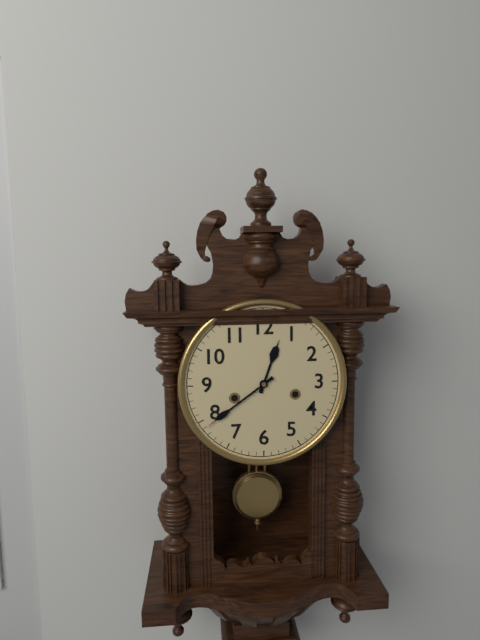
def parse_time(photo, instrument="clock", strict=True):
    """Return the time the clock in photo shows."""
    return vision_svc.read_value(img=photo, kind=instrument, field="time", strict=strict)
12:39
